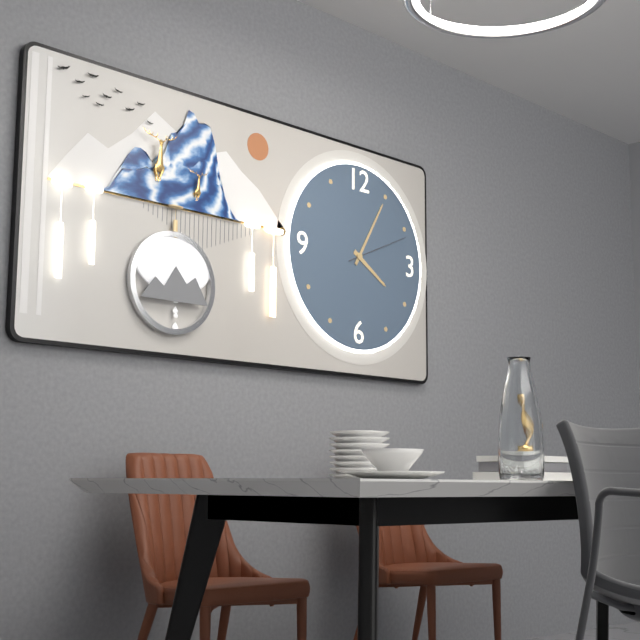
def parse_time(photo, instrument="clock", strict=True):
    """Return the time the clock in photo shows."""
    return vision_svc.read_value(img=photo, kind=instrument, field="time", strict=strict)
4:05:11
